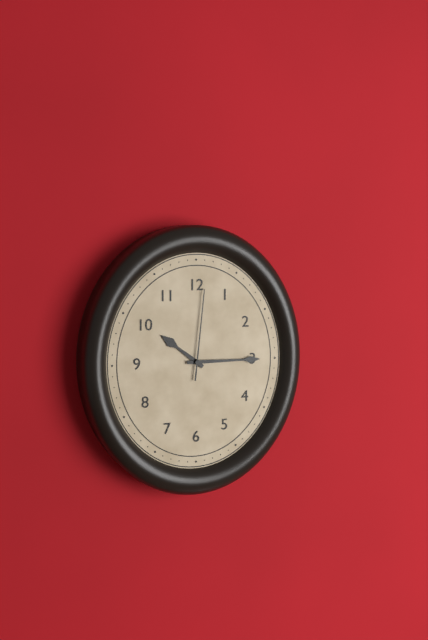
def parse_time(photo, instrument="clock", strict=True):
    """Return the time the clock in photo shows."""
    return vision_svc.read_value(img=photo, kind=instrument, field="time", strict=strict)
10:15:01
